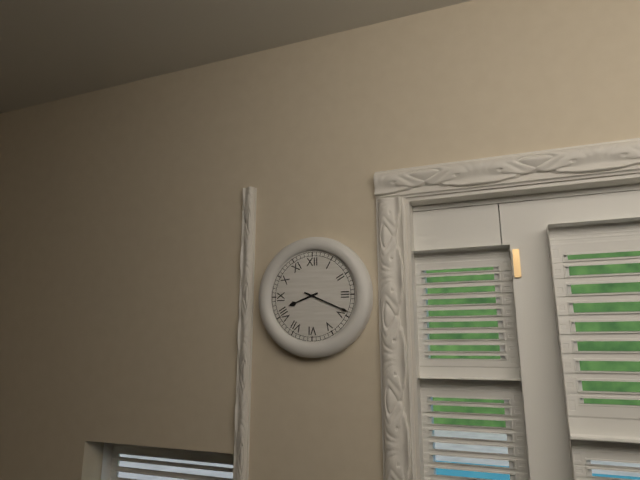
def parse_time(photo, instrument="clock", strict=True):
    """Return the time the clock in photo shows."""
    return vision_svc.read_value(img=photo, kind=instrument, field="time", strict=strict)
8:19
